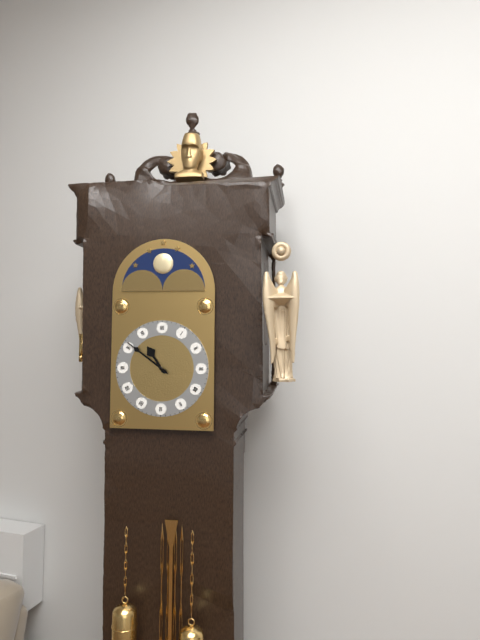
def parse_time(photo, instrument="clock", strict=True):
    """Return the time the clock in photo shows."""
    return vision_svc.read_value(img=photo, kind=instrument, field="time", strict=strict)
10:51
